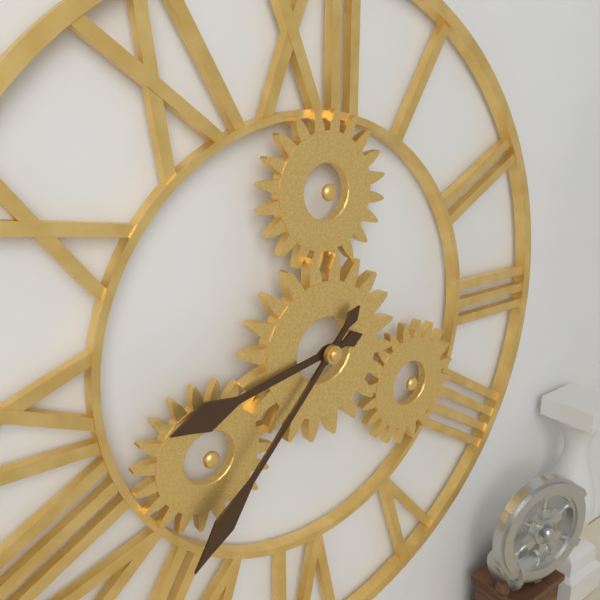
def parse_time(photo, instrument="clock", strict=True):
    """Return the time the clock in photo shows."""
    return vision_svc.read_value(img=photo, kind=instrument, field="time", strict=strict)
8:37
